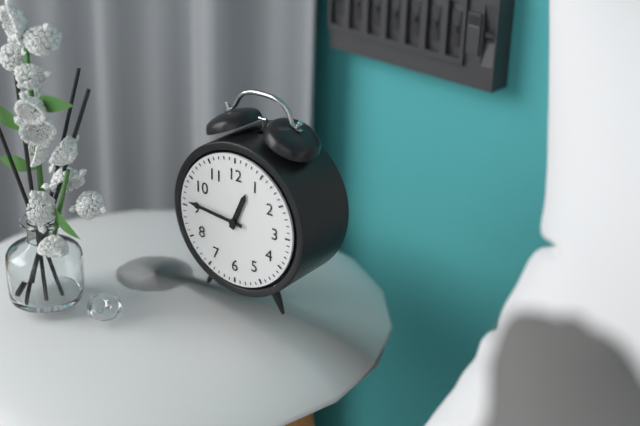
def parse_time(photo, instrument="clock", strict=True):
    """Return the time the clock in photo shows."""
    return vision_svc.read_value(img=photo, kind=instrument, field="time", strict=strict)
12:46
